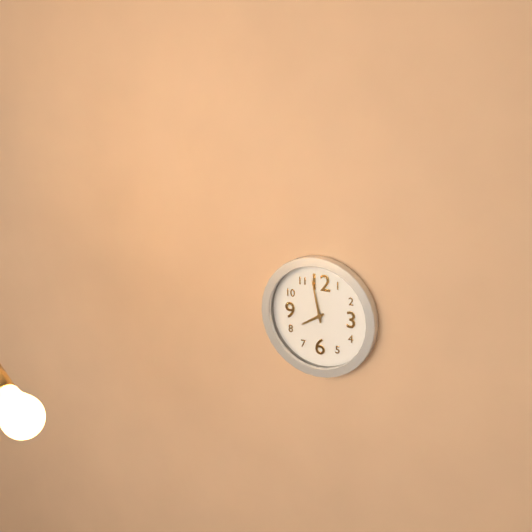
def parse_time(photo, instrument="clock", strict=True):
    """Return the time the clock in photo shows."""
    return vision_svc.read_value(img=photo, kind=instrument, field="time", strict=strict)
7:58
